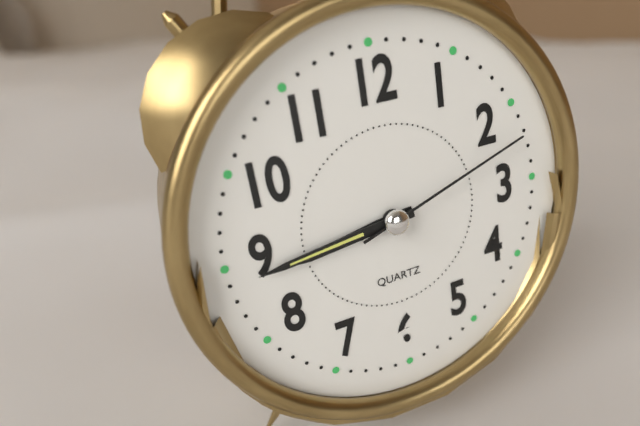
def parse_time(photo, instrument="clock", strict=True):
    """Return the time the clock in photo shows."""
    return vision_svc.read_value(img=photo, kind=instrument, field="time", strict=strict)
8:44:12
